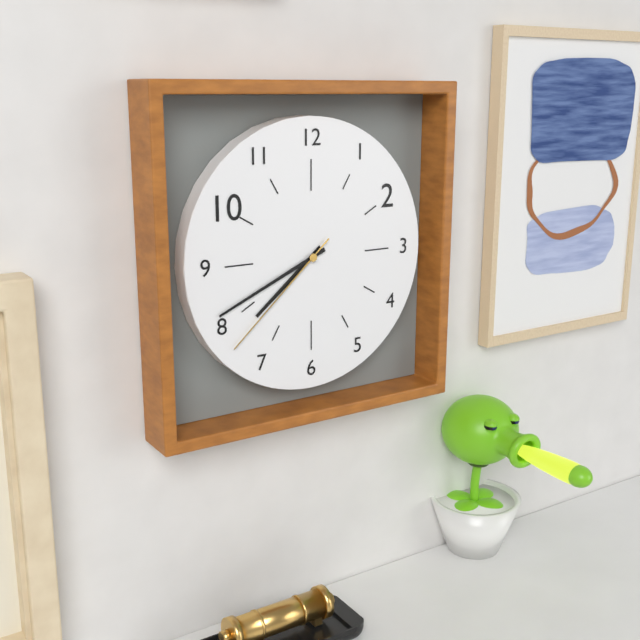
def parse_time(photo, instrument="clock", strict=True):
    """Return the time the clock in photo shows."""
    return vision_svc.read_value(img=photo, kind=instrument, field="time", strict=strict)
7:41:38
